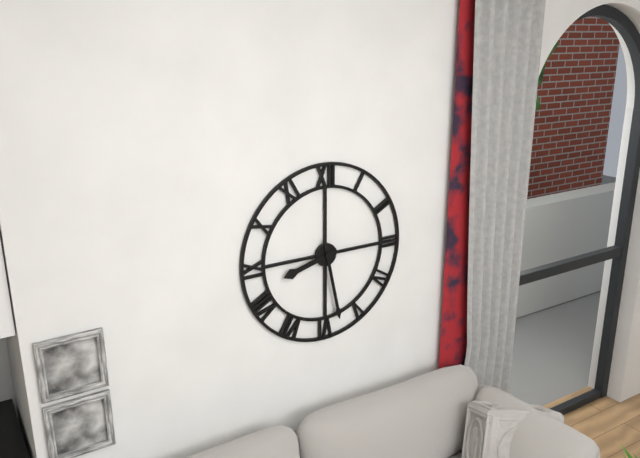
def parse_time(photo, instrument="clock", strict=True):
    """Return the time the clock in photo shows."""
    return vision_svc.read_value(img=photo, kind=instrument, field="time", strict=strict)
8:28
